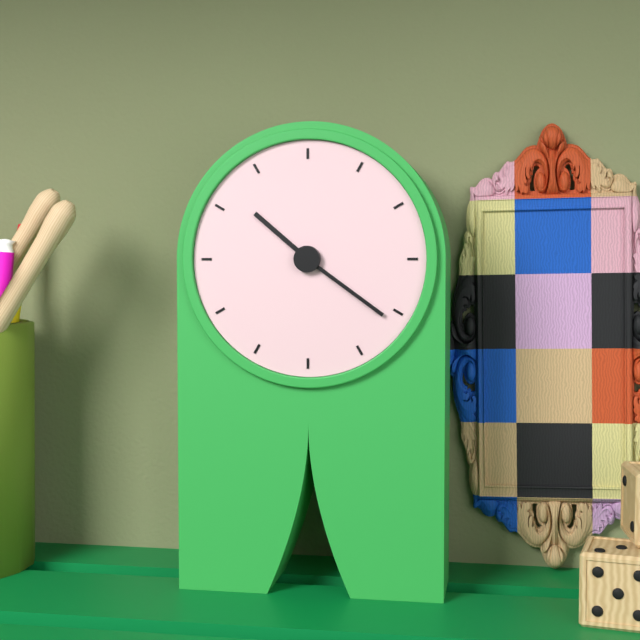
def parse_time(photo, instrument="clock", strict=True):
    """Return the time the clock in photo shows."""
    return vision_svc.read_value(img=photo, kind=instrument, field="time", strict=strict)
10:21
